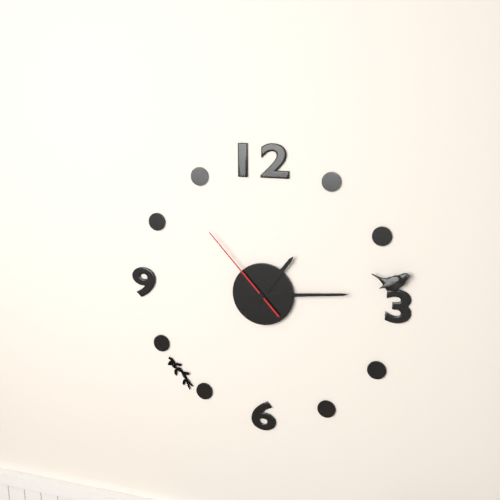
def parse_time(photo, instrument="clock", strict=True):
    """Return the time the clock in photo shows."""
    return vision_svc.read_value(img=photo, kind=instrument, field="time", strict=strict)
1:14:53
